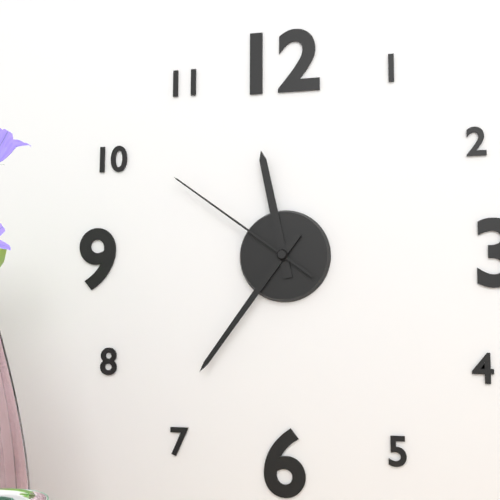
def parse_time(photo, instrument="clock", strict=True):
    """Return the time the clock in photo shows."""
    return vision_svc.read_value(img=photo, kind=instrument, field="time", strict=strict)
11:36:51
